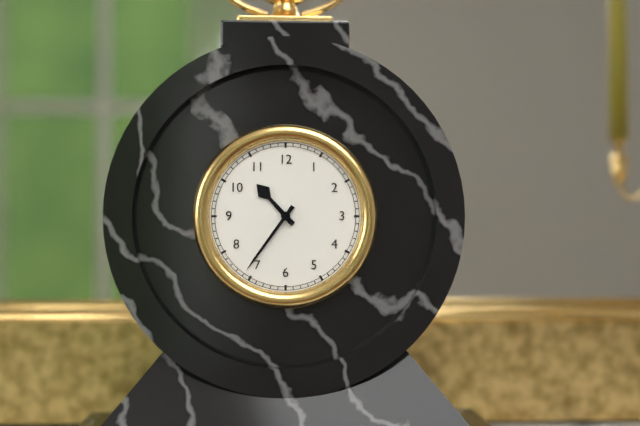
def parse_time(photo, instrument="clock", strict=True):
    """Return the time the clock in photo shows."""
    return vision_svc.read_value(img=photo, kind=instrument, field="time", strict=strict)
10:36
